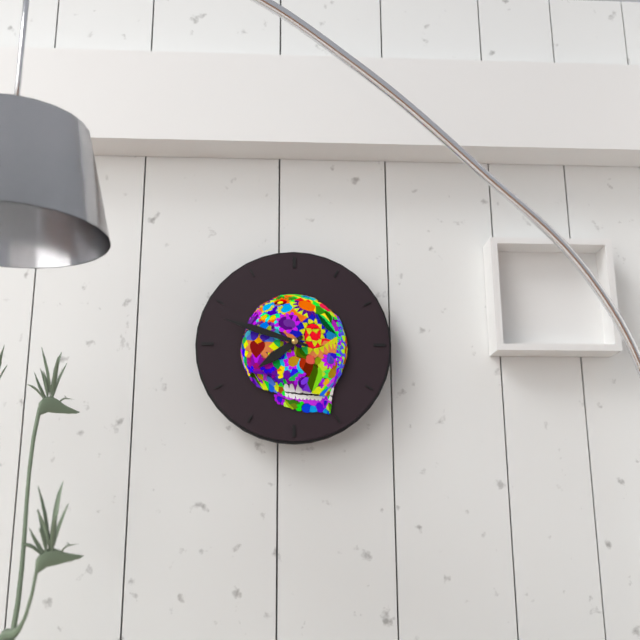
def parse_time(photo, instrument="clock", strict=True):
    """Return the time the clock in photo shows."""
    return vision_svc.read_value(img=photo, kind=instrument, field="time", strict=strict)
7:48
